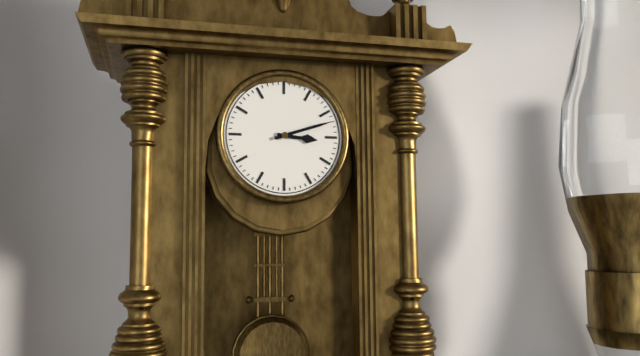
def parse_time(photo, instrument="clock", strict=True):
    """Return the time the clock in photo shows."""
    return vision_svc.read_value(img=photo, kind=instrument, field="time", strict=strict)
3:12
